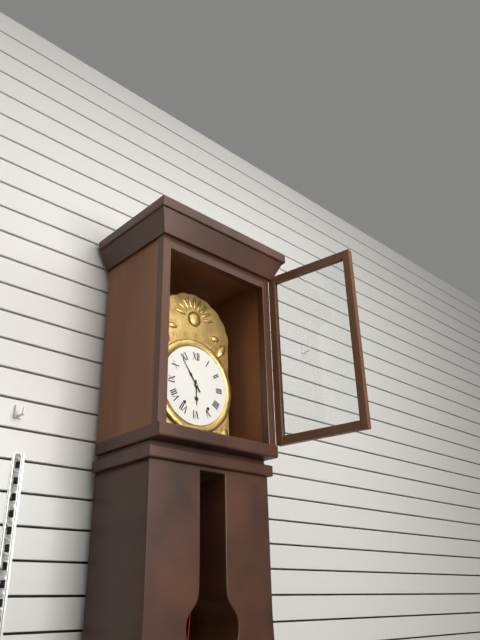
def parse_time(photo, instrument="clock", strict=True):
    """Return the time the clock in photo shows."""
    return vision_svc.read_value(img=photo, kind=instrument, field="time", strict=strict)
5:54
